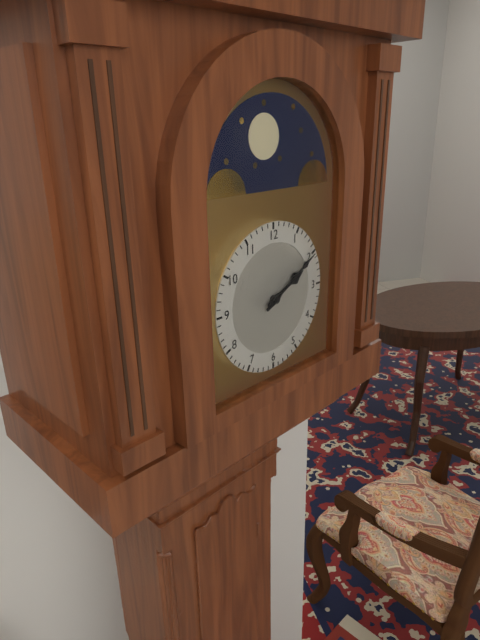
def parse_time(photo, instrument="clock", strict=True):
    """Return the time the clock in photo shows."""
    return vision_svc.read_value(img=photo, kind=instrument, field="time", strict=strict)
2:10
